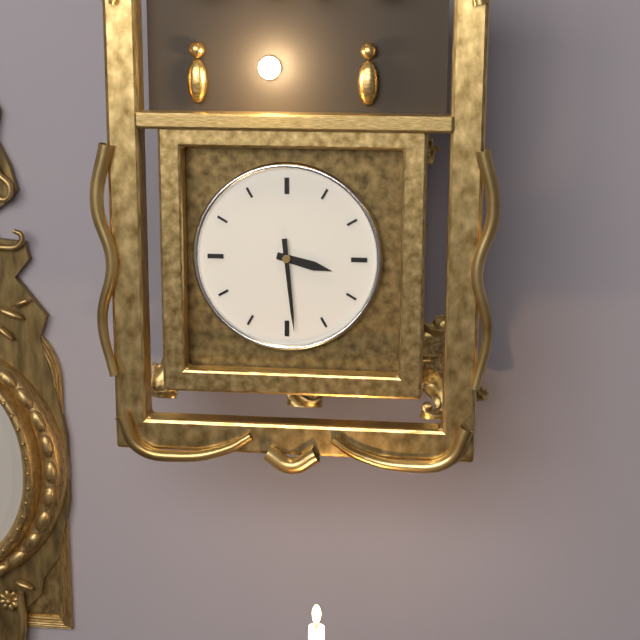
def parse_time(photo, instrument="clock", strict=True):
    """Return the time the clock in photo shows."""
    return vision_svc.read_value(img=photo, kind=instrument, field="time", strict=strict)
3:29
